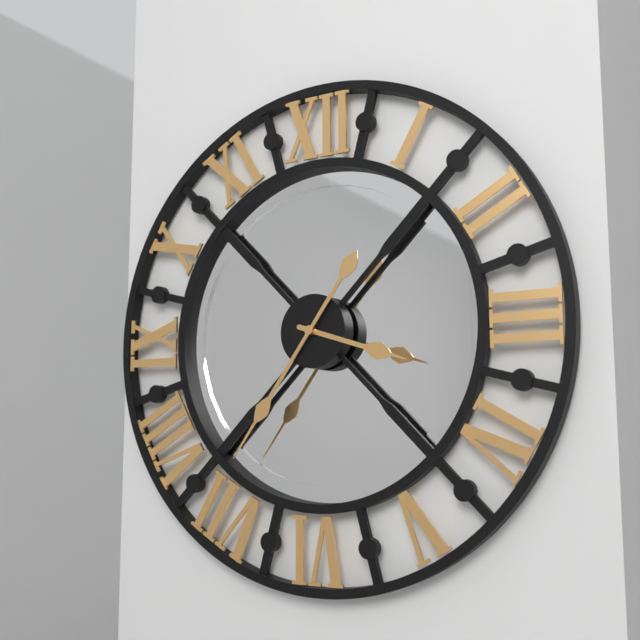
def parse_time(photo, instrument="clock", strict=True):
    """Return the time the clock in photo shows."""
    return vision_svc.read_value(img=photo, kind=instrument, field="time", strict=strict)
3:36
